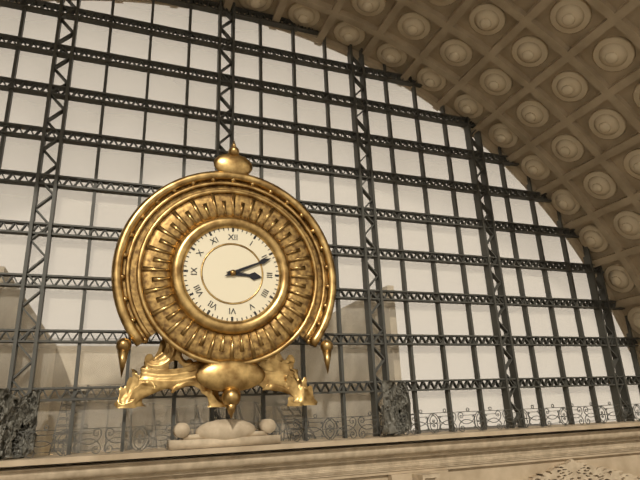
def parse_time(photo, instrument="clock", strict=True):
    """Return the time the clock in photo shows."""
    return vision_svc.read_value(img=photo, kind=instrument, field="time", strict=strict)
3:11
